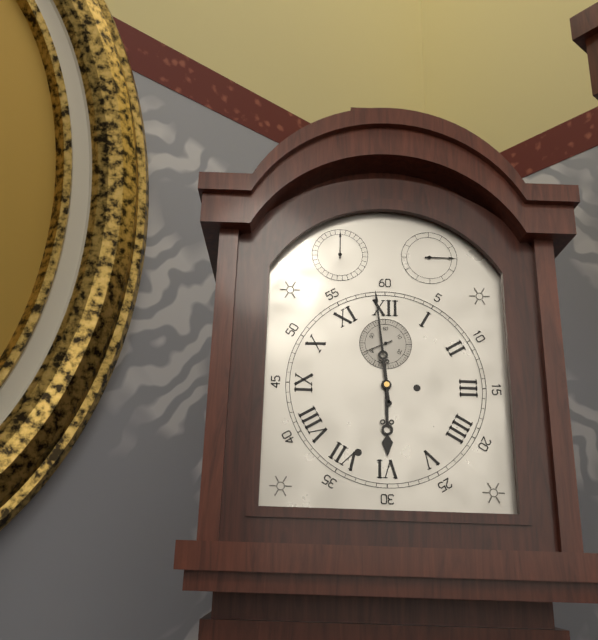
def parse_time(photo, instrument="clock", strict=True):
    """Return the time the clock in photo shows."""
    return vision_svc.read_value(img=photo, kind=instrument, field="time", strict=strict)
5:59
